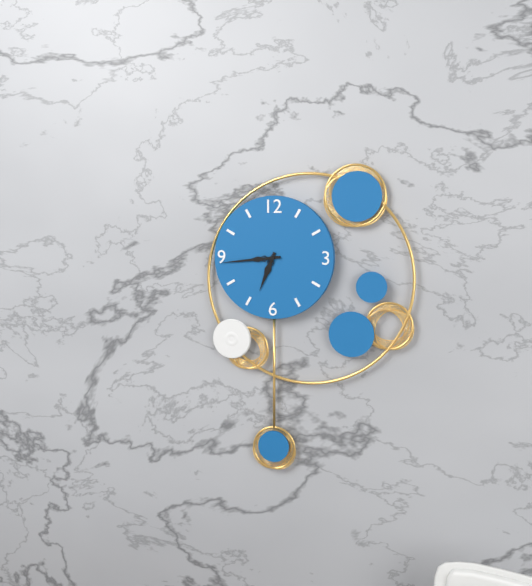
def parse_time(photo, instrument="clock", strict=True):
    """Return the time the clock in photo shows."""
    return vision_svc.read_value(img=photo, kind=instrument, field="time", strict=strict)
6:44
